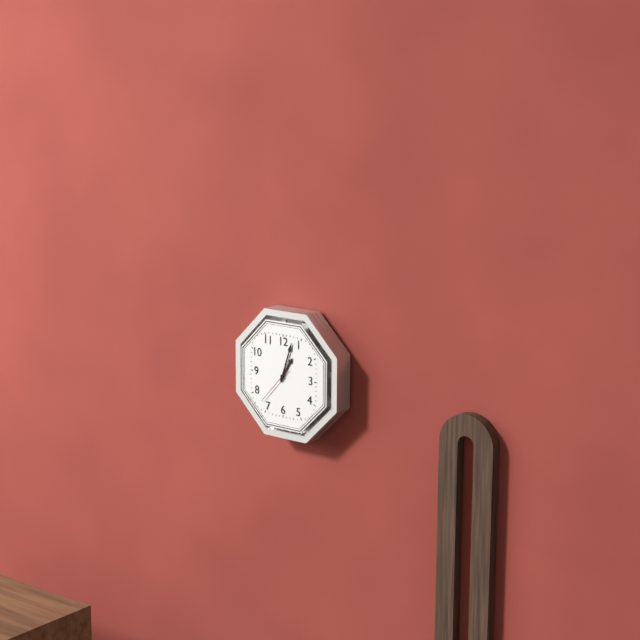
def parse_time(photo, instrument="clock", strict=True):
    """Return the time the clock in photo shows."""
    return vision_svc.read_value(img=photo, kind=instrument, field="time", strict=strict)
1:03
